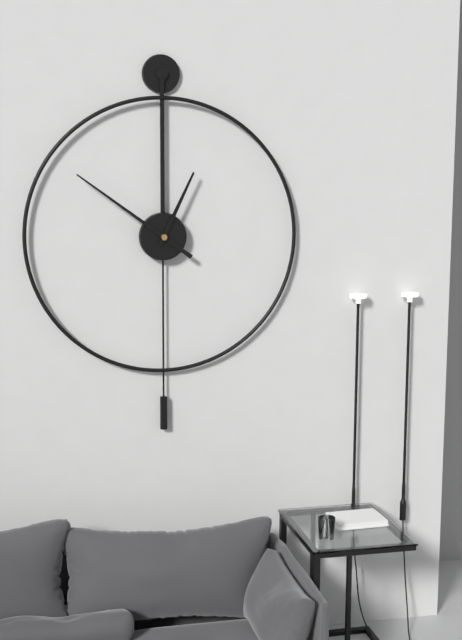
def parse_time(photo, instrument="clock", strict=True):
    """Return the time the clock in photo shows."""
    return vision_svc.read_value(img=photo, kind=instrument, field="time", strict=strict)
12:51
